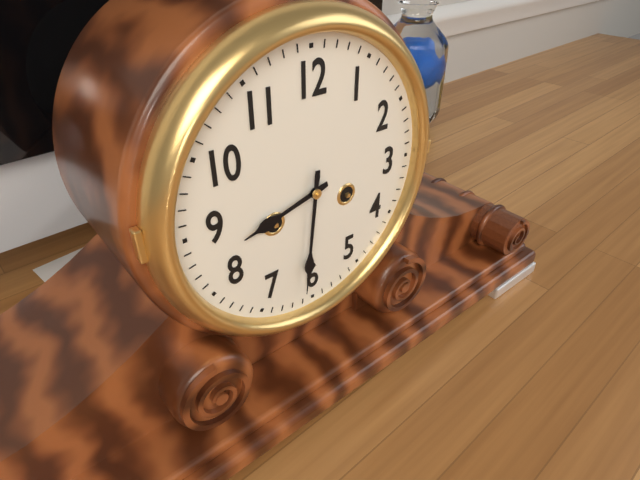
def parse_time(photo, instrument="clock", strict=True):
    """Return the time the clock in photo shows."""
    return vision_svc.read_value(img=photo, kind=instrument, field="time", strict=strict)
8:31
